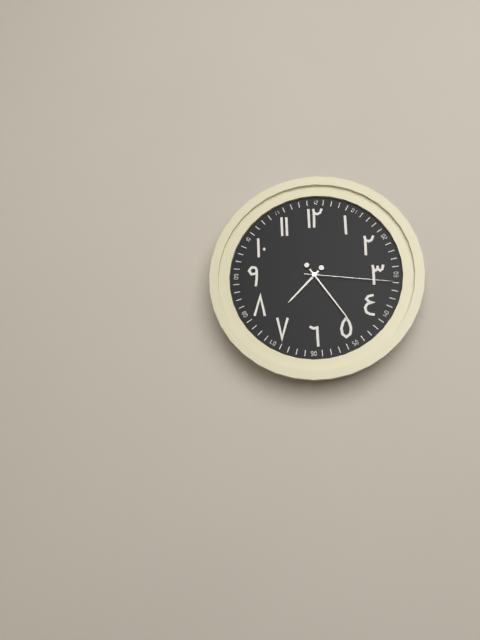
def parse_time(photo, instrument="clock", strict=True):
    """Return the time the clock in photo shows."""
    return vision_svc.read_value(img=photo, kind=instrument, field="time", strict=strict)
7:24:16
